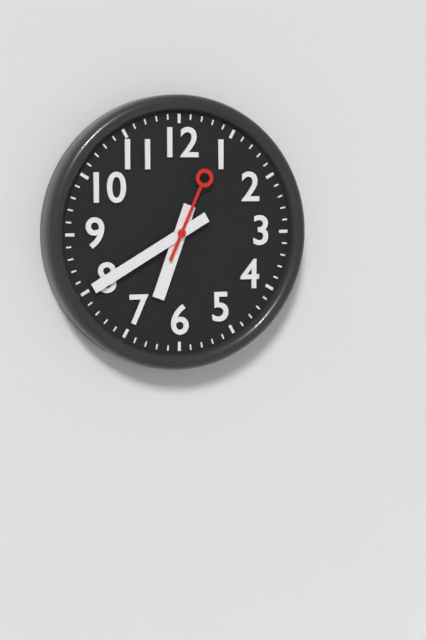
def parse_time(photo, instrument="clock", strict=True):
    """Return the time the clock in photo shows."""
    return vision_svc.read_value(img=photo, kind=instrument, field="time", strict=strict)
6:40:04
